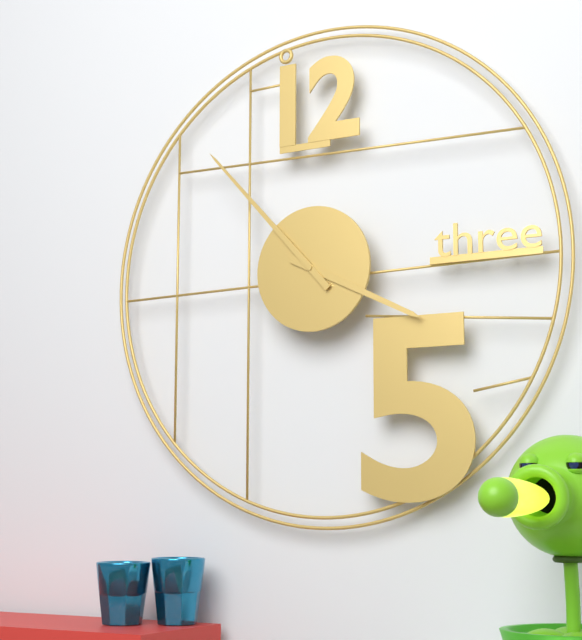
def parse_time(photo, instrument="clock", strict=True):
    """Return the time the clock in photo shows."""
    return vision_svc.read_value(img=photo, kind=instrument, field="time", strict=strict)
3:53
